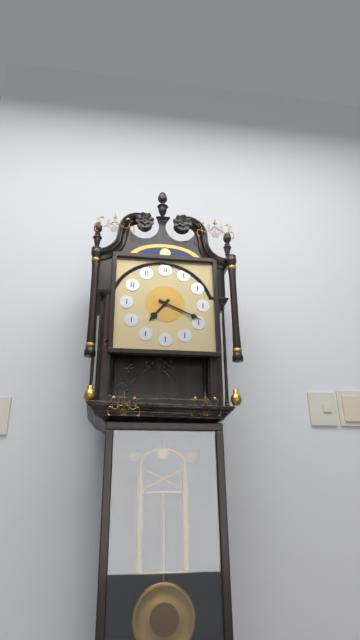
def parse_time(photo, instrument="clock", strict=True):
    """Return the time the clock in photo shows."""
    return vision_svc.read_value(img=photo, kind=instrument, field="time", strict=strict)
7:19
